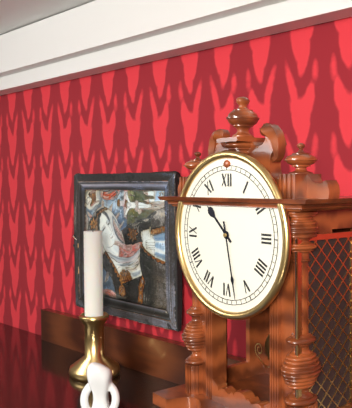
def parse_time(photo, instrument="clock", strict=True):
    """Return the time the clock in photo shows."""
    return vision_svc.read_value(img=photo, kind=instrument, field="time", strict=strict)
10:28
